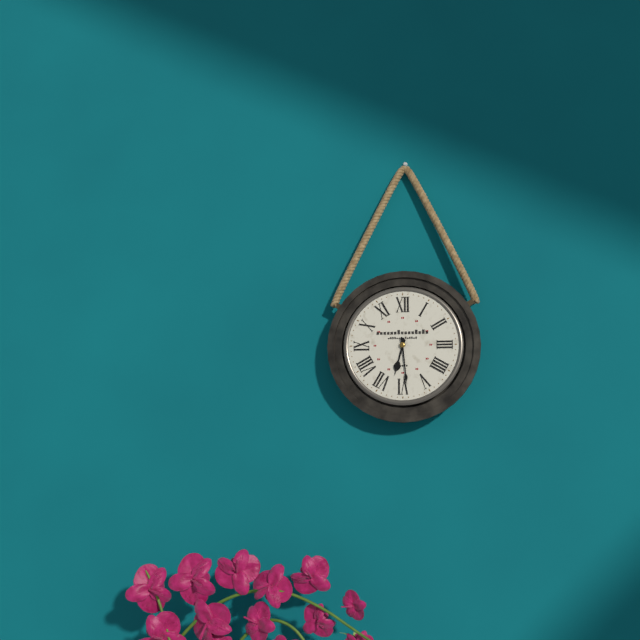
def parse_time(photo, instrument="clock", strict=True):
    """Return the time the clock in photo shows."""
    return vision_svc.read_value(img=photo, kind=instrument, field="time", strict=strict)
6:29
